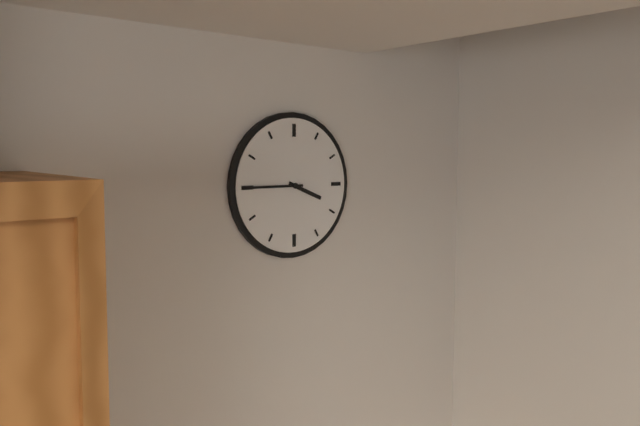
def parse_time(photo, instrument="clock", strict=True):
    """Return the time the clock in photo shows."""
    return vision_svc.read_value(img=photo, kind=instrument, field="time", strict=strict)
3:45
